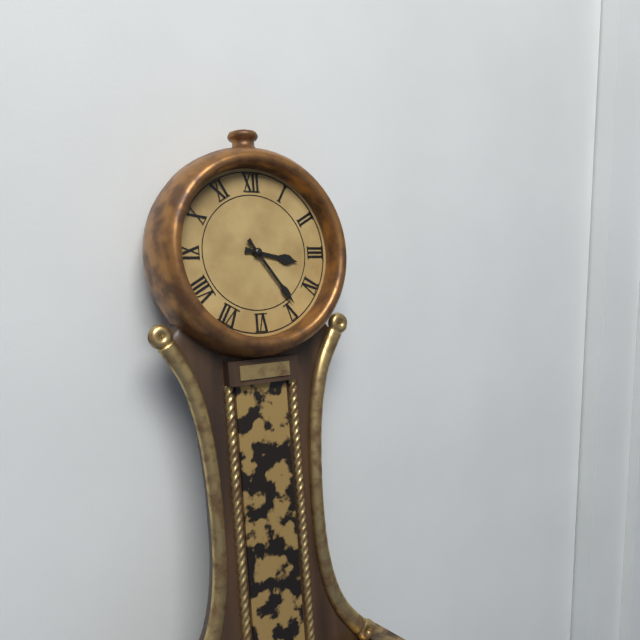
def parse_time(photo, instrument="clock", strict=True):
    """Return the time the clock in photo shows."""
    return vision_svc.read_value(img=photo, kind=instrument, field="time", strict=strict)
3:24
